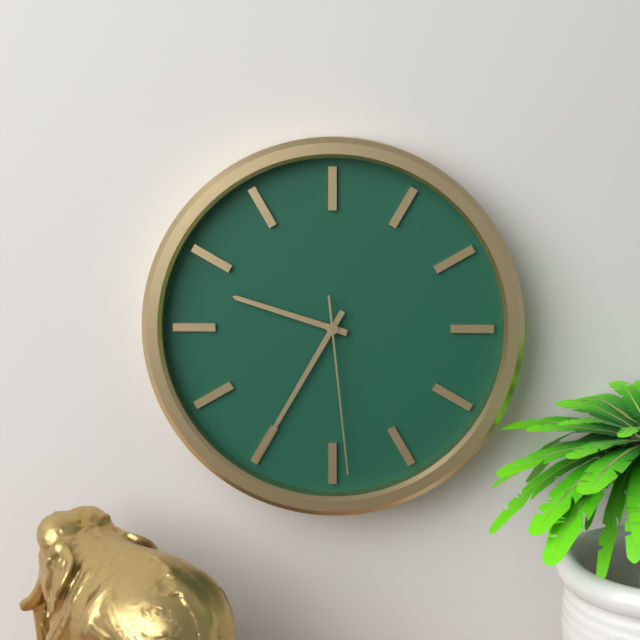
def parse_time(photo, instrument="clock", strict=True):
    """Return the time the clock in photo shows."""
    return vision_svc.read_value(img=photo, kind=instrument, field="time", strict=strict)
9:35:29
